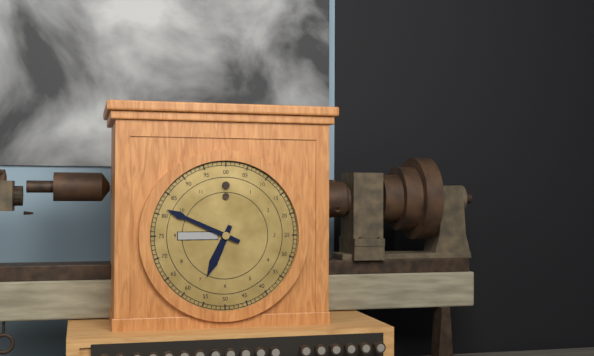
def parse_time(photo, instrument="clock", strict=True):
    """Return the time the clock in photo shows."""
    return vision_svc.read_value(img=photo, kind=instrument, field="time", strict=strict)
6:49
